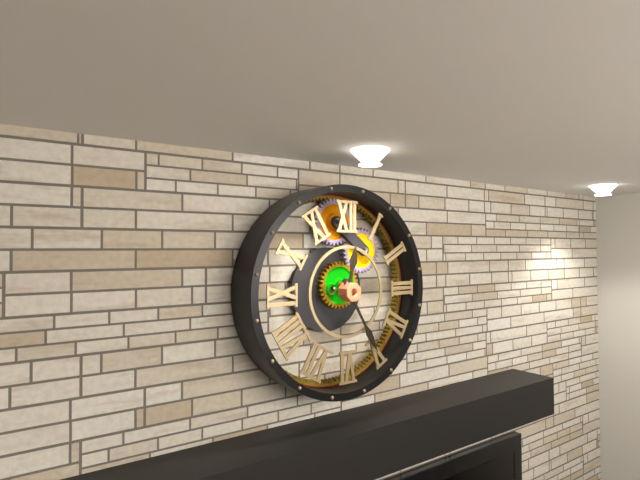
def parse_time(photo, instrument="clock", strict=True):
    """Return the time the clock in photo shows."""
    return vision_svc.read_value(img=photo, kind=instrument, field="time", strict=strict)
12:25
